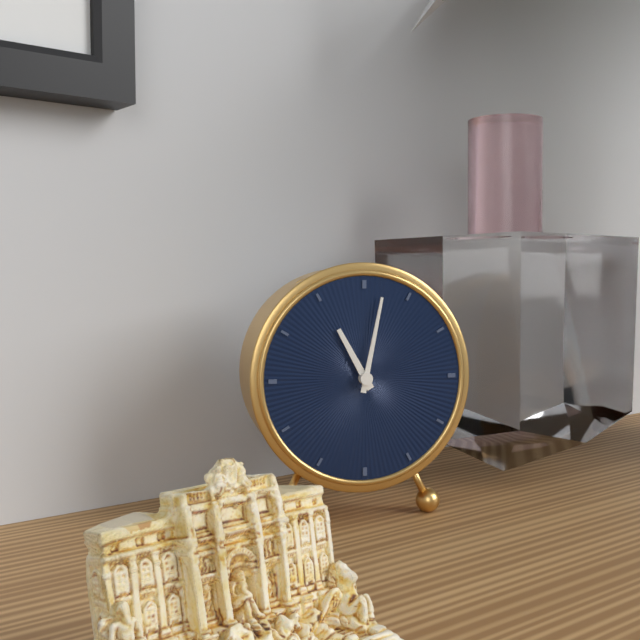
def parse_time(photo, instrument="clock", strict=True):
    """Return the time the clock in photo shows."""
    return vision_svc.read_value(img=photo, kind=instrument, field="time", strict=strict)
11:02
